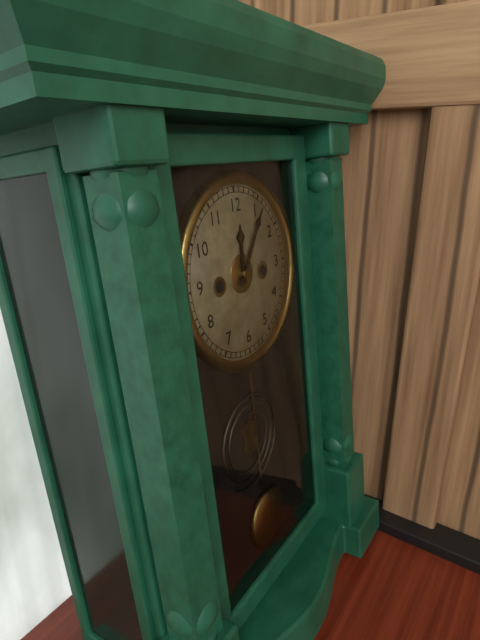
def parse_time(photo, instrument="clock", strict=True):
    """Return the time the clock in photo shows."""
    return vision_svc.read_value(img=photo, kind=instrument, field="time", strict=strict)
12:06
